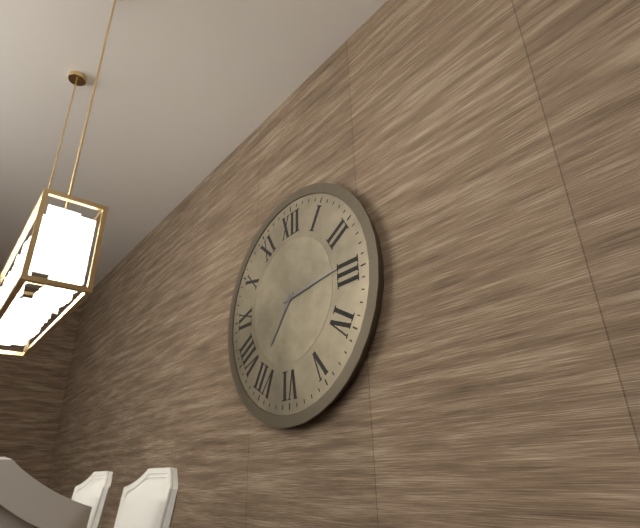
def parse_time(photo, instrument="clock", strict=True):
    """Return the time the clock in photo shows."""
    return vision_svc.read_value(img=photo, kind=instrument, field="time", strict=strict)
7:14
